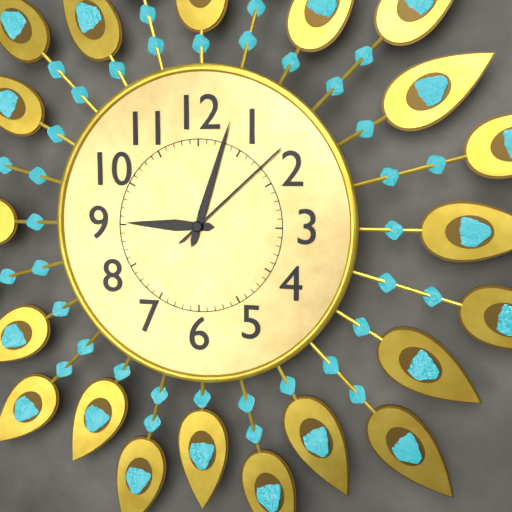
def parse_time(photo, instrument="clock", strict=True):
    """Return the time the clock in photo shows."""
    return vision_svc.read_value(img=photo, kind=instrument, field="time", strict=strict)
9:03:08
